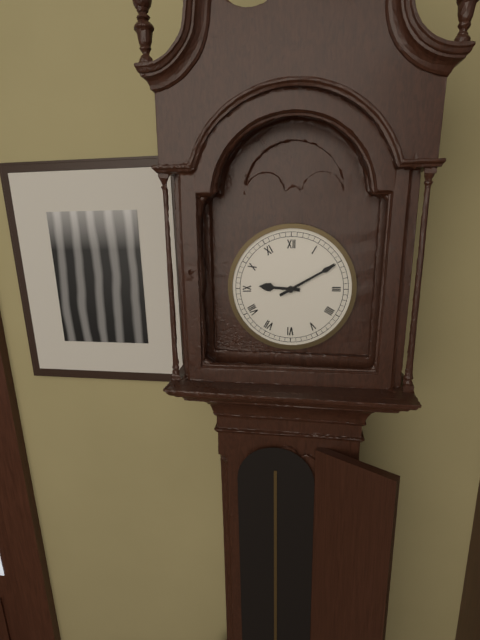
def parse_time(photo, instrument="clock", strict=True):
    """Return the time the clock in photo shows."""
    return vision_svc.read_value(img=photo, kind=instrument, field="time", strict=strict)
9:10
